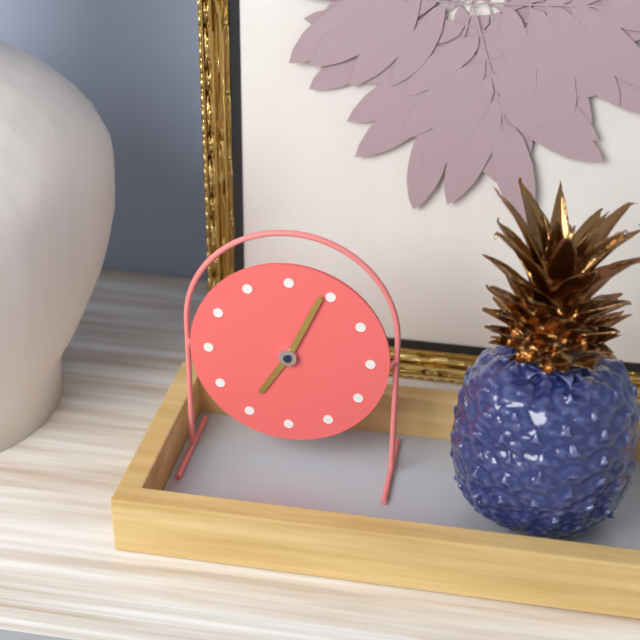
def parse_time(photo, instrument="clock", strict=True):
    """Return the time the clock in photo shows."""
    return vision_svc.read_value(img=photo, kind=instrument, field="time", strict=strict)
7:04
